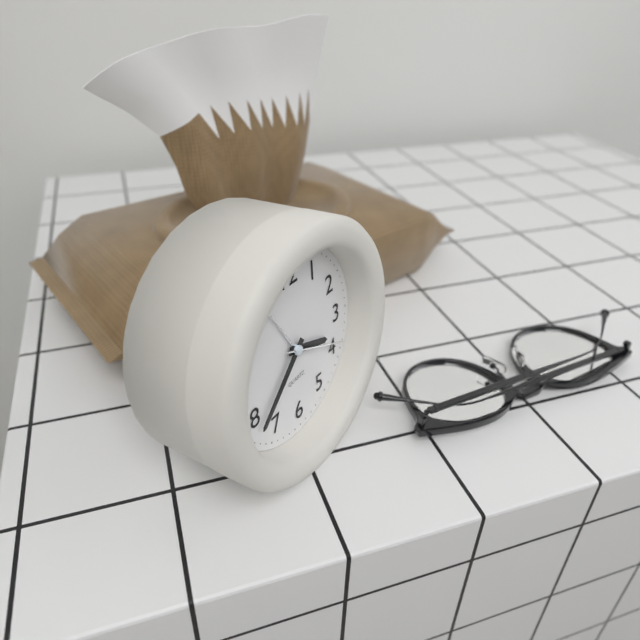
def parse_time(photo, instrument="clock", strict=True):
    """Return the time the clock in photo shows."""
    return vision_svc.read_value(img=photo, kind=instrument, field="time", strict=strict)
3:38:19
